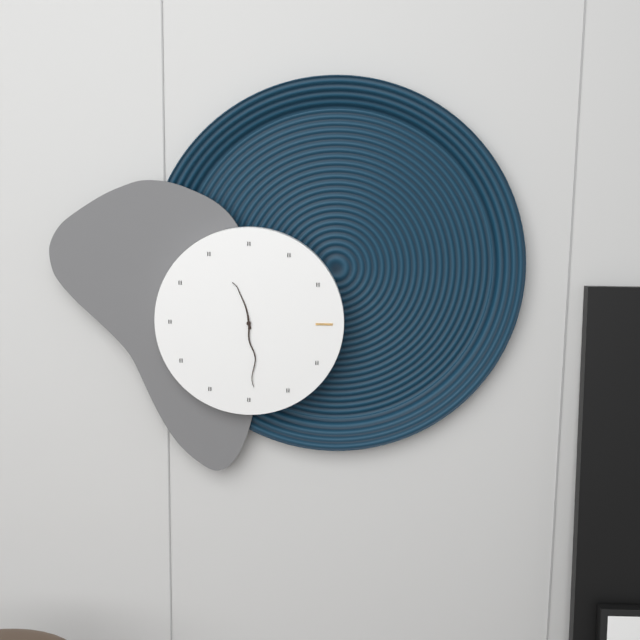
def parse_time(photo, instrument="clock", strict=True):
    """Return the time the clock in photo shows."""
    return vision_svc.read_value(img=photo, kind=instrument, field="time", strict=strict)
11:29
